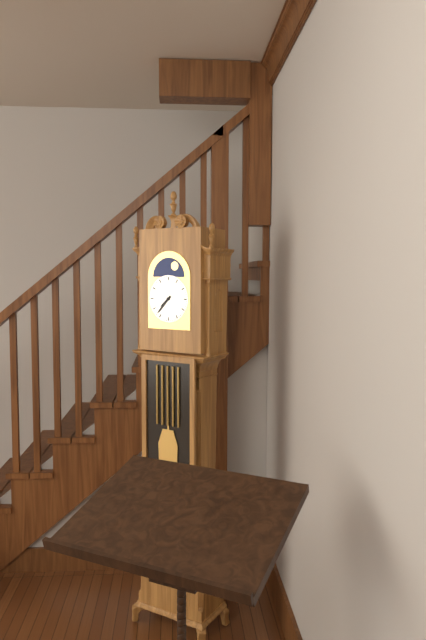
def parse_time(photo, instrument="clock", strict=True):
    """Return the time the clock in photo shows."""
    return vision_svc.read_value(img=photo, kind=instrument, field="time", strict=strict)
7:37
